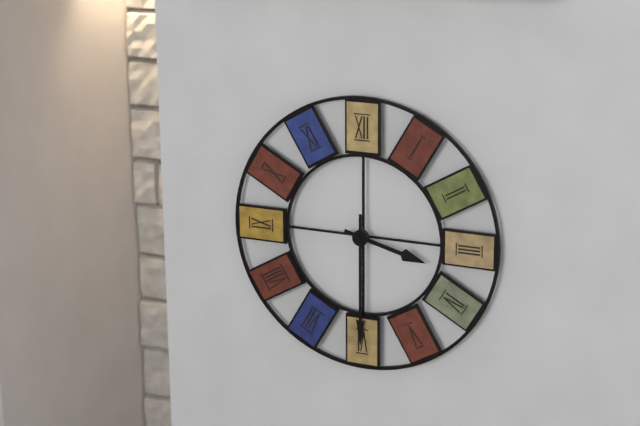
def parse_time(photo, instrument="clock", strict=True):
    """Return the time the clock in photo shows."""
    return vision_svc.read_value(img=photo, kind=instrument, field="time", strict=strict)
3:30
